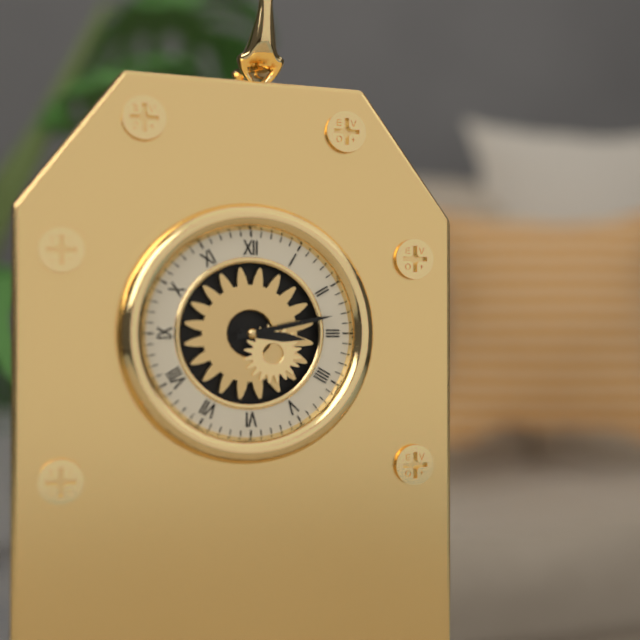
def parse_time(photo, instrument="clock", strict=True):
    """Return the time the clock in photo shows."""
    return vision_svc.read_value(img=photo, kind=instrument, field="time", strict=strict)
3:13
